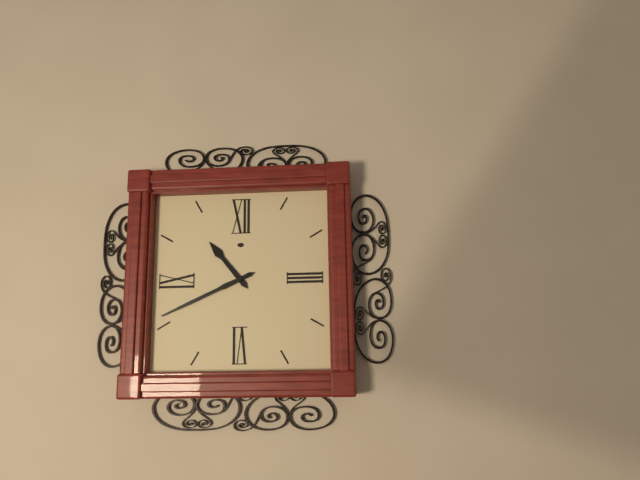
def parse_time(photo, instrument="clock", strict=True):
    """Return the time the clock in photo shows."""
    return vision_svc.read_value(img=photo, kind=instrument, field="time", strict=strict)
10:41
